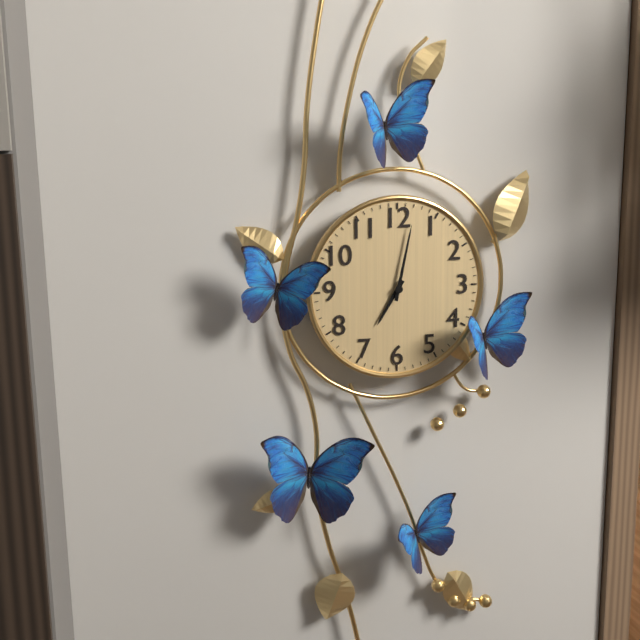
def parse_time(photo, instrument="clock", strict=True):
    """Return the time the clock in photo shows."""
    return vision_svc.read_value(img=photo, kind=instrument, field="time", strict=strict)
7:02
